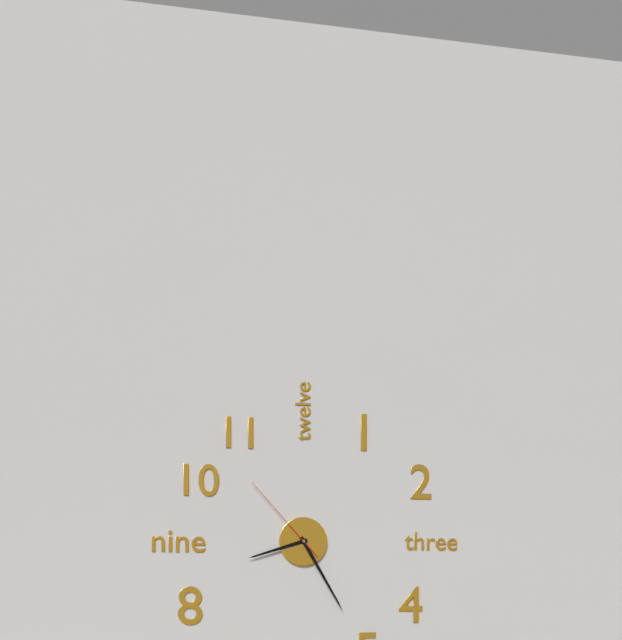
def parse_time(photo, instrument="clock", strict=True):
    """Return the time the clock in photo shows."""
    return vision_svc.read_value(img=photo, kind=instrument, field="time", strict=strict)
8:25:53
